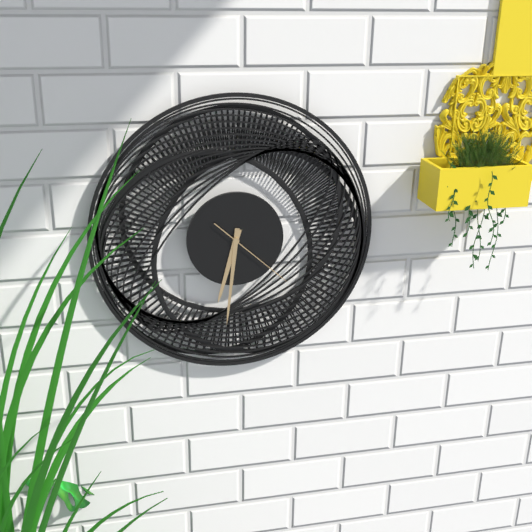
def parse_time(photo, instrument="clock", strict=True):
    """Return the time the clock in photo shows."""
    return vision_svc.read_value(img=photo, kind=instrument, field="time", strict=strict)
6:31:22
